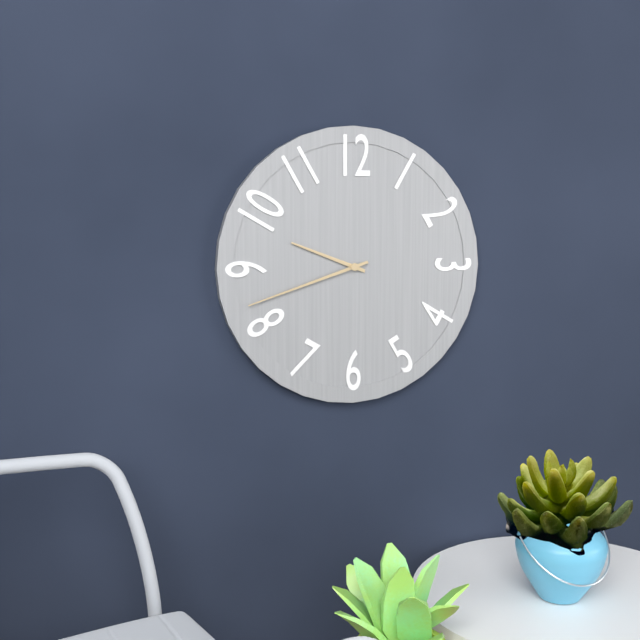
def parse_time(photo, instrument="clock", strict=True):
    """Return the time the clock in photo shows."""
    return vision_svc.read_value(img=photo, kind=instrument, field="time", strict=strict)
9:42
